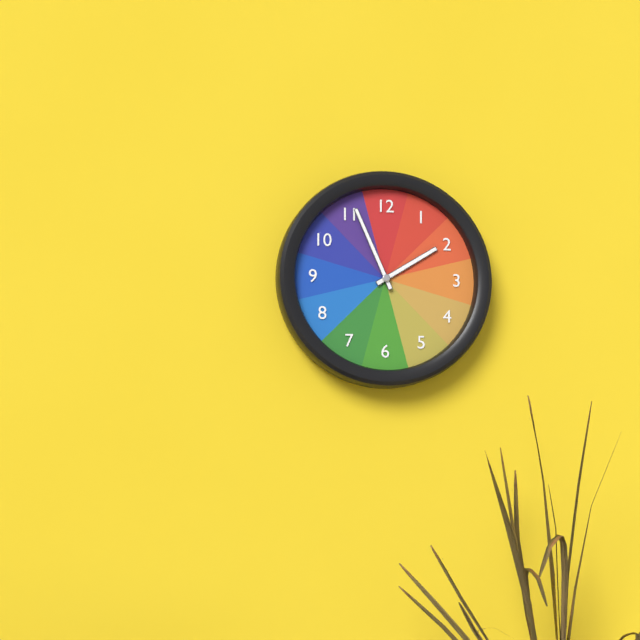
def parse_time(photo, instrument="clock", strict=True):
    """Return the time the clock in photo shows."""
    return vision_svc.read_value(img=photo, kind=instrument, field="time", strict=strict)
1:56
